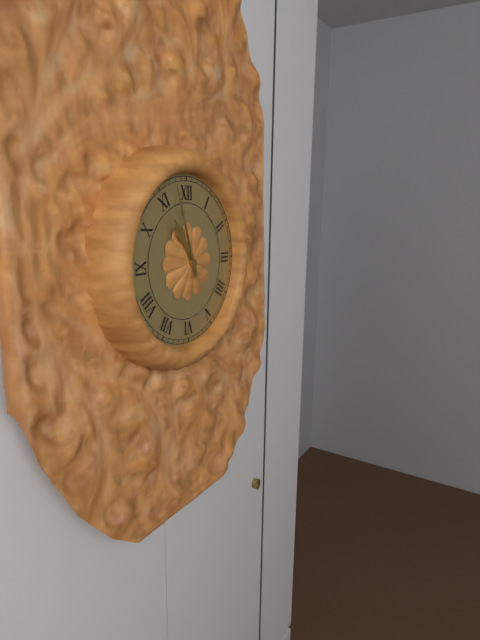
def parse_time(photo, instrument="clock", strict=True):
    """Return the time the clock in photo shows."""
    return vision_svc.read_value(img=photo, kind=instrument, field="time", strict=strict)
10:57
